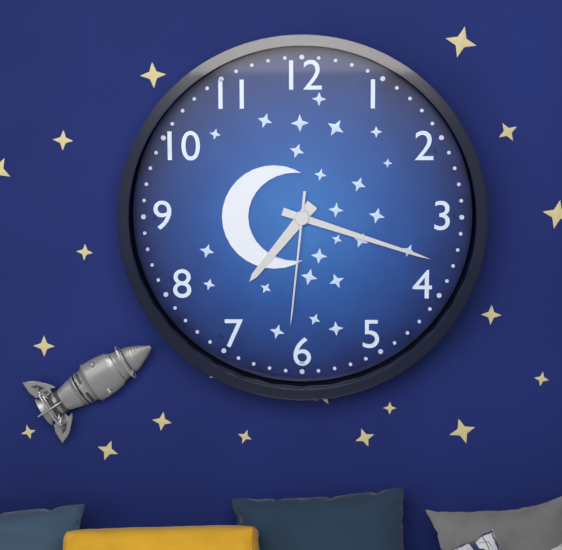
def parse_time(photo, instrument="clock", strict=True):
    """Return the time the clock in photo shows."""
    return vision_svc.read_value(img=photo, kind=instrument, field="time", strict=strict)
7:18:31
